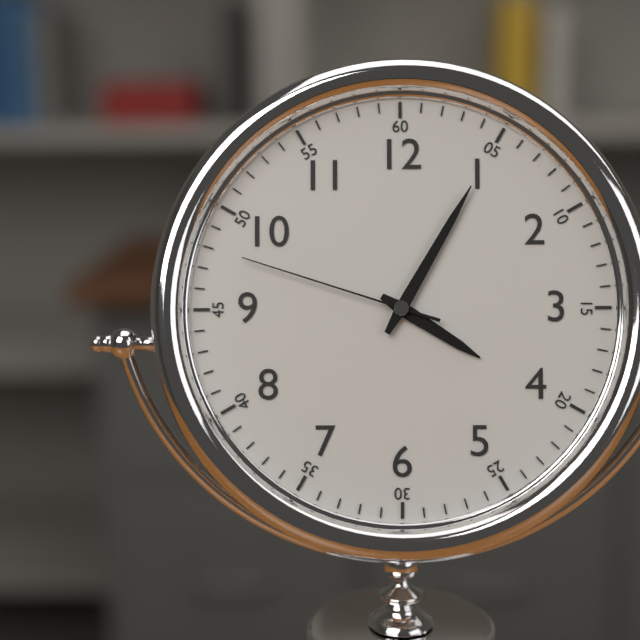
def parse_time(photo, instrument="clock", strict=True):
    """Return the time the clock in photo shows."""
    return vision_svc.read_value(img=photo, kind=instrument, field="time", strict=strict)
4:05:48
